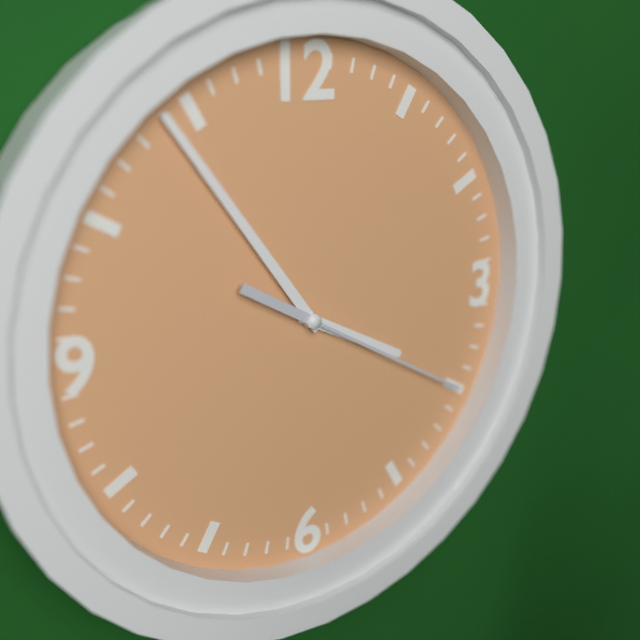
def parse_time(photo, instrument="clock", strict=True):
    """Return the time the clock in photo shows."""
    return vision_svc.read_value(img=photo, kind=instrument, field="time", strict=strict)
3:54:20
